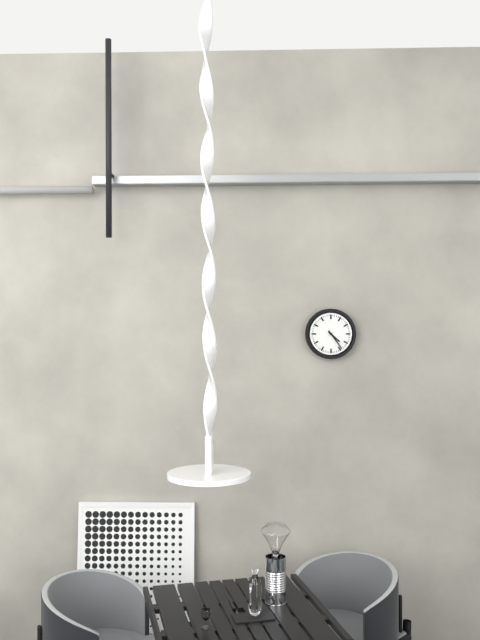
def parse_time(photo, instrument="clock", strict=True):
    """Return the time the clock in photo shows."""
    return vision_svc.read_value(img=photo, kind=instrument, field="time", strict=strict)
4:24
